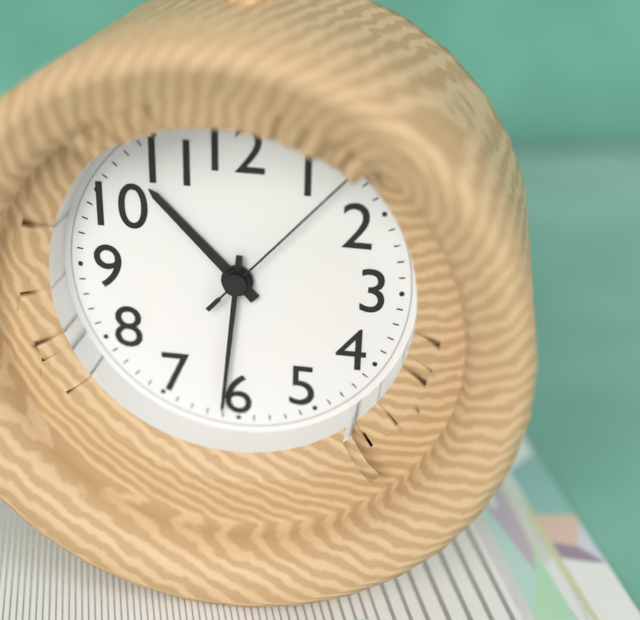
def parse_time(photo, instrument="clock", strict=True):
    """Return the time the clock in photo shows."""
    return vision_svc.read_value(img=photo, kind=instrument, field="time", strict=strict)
10:31:07
